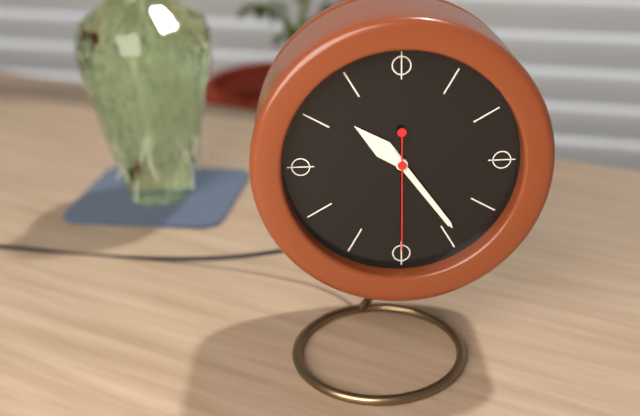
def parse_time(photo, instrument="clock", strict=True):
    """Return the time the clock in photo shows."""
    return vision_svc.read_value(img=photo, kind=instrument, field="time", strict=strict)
10:24:30
